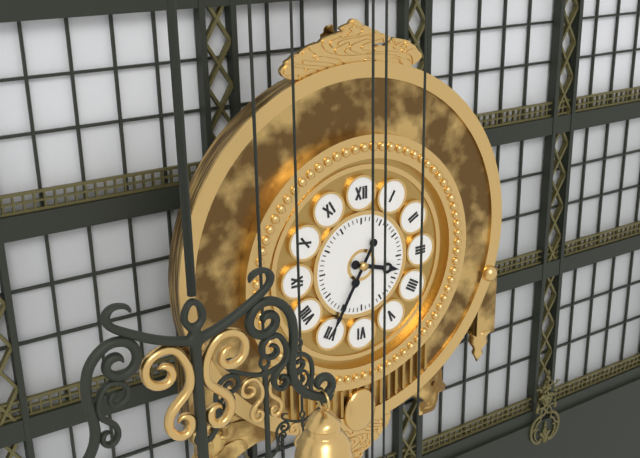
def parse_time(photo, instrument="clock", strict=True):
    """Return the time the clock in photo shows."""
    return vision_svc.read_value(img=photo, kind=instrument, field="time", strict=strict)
3:35
